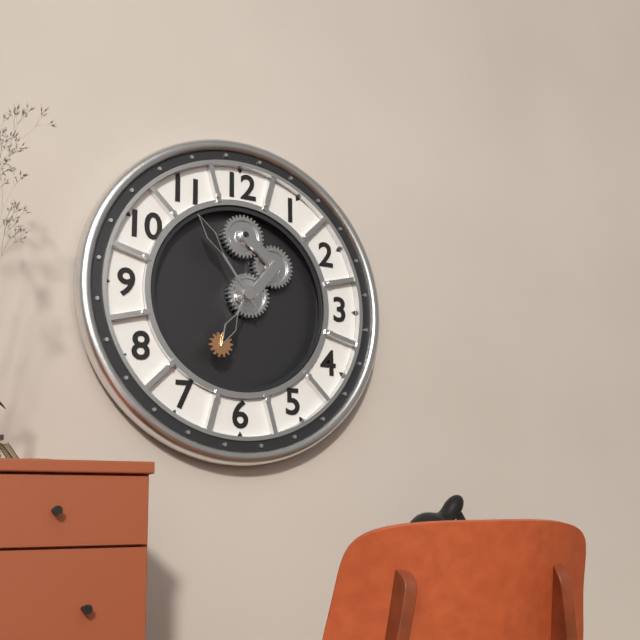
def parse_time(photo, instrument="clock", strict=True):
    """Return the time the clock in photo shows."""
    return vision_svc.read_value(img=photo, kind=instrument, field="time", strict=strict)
6:54
